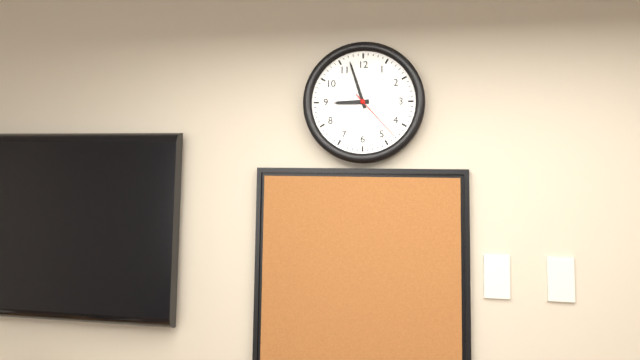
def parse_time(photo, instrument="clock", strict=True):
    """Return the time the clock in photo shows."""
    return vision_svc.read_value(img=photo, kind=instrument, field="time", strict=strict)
8:57:23
